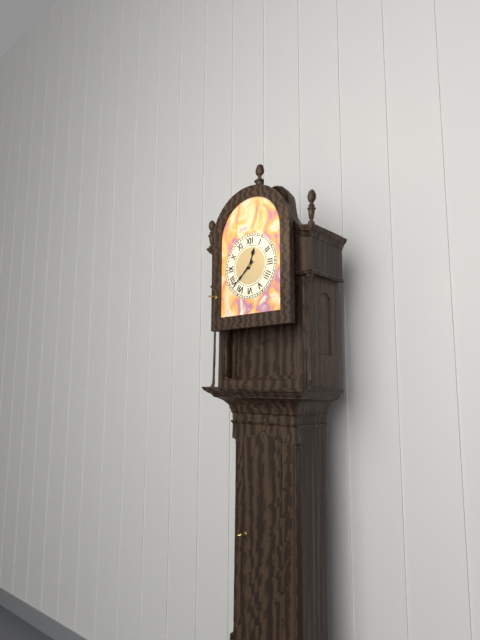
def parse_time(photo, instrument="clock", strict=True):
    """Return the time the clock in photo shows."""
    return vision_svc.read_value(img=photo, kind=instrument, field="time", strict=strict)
12:38
